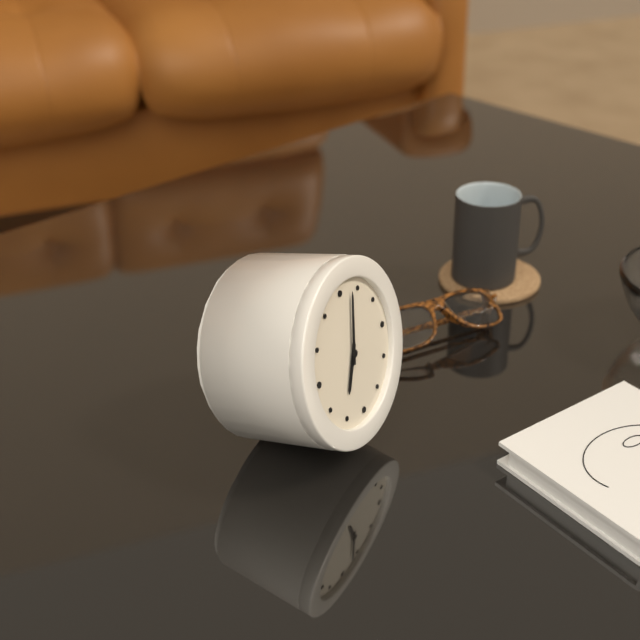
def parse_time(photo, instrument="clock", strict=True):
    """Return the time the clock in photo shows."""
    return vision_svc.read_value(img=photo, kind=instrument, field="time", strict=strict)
7:03
